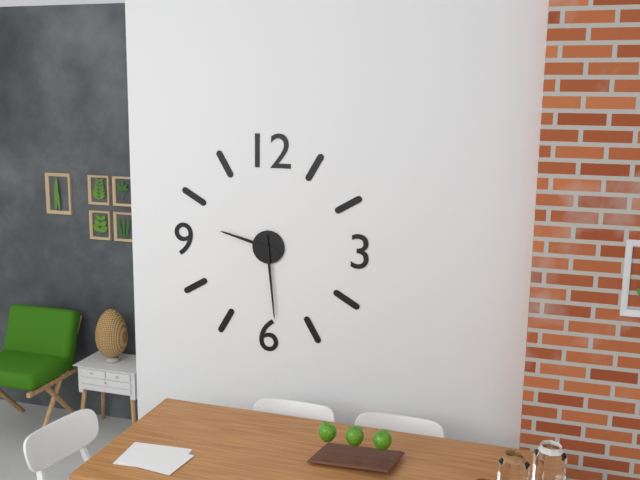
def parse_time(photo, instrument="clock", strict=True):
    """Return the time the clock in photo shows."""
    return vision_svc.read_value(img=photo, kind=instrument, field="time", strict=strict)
9:29
